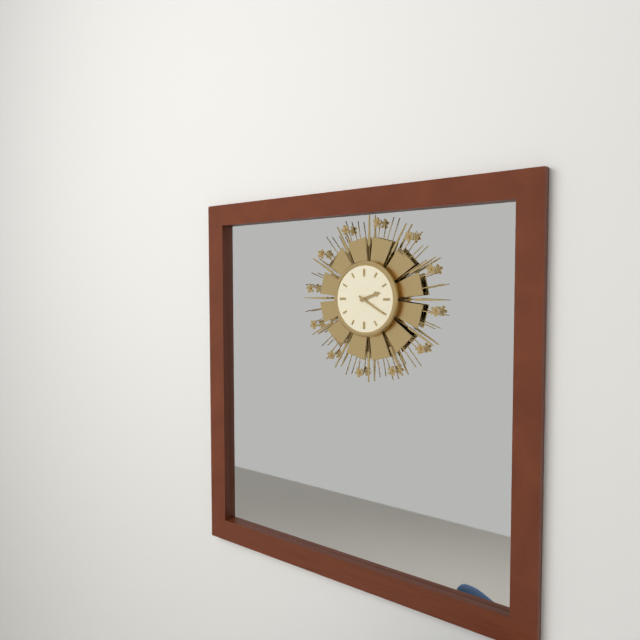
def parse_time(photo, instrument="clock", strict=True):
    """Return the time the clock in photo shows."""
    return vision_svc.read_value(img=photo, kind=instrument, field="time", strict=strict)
2:20
